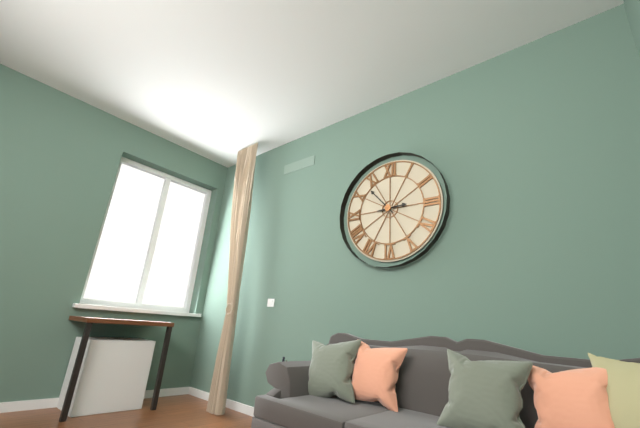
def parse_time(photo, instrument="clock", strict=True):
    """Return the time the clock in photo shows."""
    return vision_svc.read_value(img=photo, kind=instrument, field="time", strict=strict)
2:53
